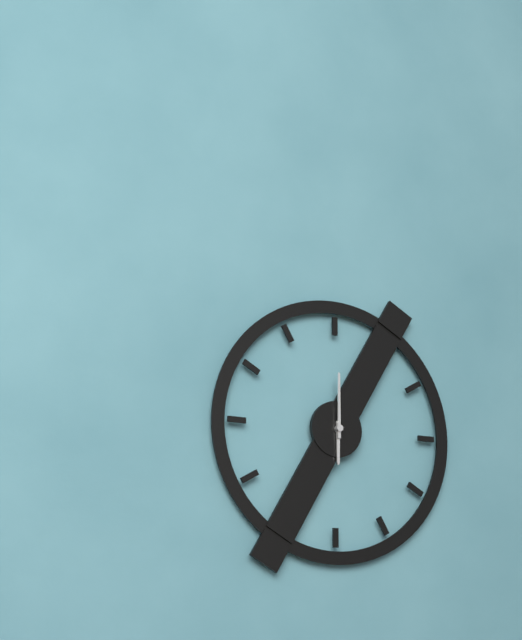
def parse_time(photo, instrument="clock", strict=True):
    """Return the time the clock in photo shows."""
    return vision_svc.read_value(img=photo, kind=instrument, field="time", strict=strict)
6:00
